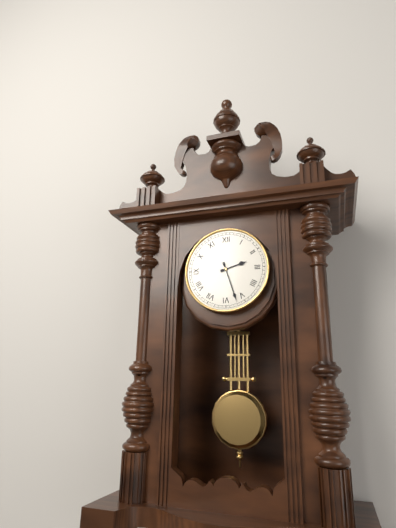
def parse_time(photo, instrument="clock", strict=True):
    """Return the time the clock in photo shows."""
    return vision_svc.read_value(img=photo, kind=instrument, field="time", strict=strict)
2:27
